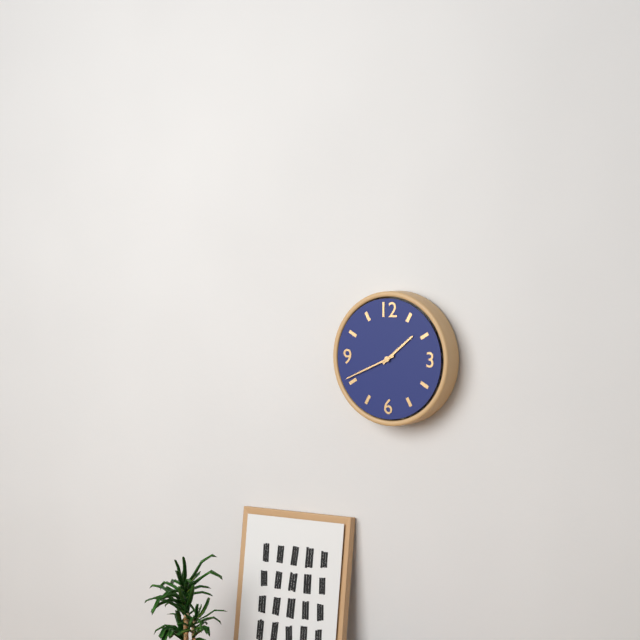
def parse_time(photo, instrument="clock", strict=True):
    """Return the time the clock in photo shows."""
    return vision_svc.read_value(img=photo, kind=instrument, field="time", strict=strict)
1:41
